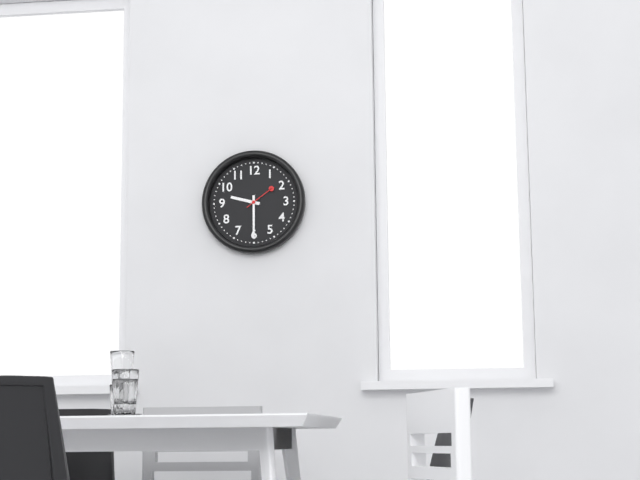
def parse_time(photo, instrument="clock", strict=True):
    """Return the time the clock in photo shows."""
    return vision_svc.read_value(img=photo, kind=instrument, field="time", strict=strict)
9:30
